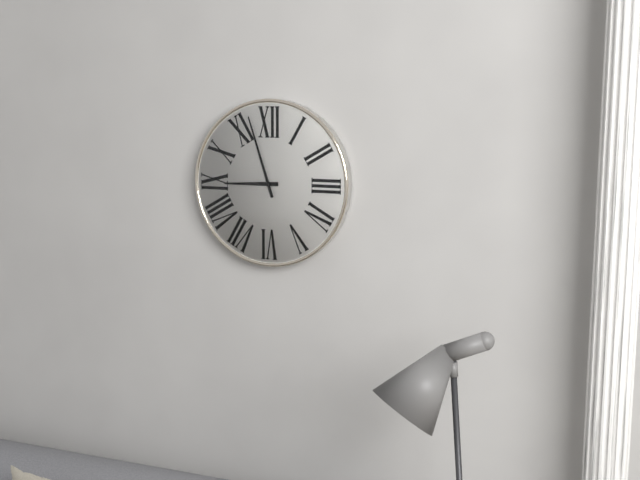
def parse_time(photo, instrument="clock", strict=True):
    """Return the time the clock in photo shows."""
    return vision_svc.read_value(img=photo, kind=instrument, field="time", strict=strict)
8:57
